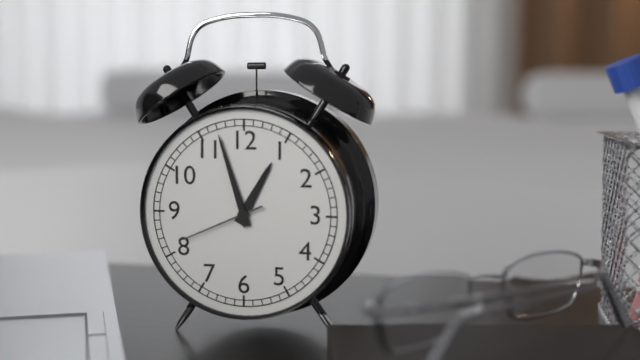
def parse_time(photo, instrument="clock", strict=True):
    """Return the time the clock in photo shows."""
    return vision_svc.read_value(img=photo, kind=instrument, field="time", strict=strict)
12:57:41
